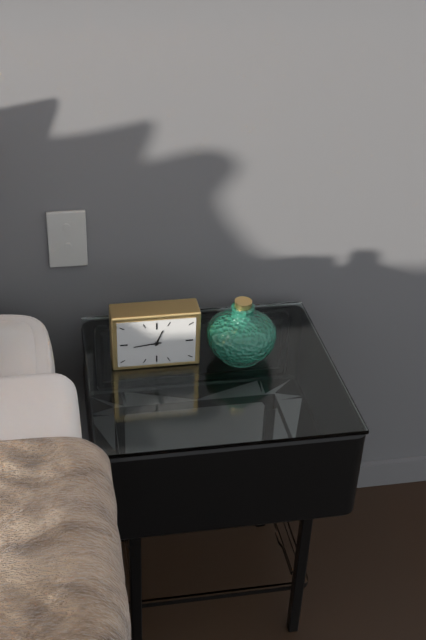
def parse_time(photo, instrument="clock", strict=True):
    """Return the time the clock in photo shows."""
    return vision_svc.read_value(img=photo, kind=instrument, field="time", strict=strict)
12:44
